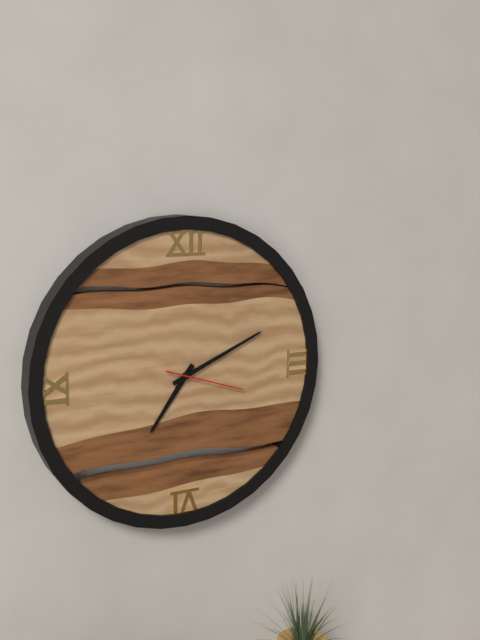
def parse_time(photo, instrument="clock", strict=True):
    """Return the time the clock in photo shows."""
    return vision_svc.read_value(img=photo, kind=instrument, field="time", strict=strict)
7:11:18
